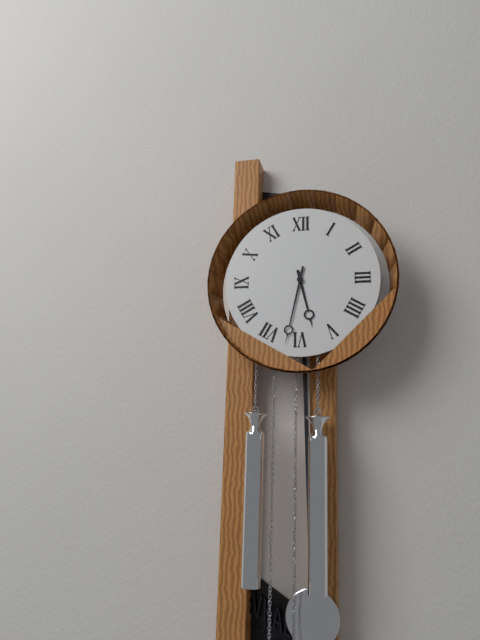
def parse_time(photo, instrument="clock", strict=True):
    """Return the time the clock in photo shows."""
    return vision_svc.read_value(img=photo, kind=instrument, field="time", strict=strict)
5:32
